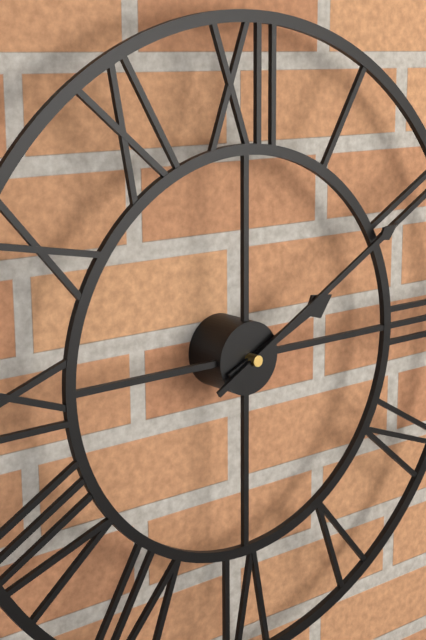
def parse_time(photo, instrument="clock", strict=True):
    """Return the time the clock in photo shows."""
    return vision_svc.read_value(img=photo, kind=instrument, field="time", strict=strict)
2:10
